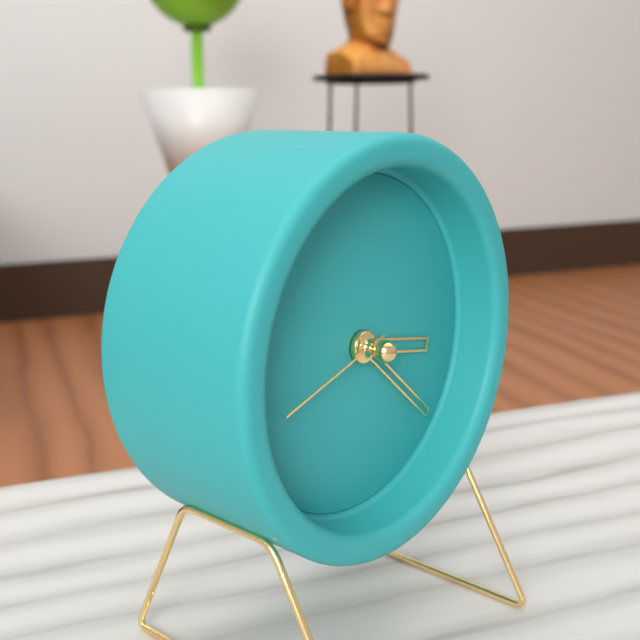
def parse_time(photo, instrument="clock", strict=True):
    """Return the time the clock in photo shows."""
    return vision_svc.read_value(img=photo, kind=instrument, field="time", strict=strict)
3:22:42
